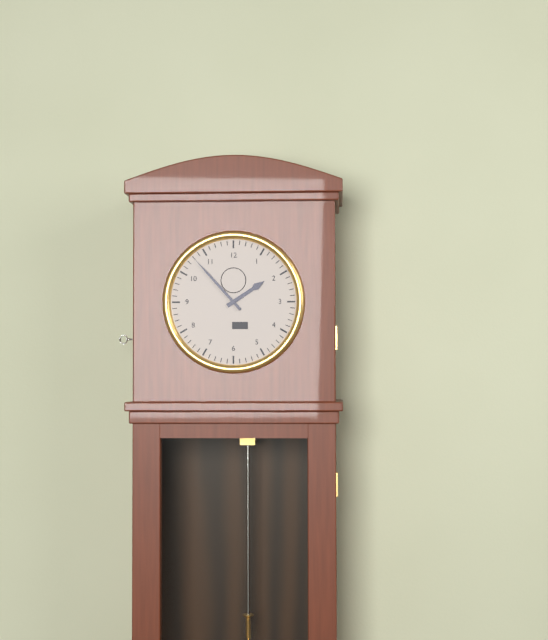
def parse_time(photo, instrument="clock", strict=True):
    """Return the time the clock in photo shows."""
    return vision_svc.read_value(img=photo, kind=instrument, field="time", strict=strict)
1:53
